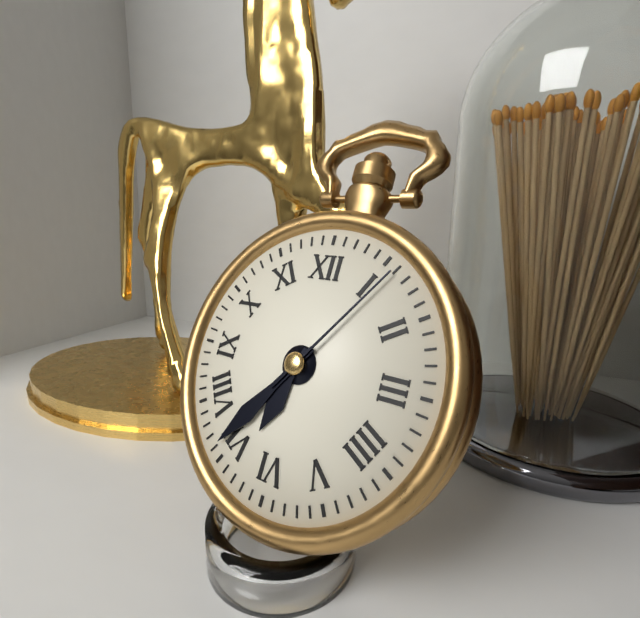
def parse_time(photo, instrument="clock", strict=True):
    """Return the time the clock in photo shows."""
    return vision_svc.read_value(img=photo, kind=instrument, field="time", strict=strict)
6:36:06
